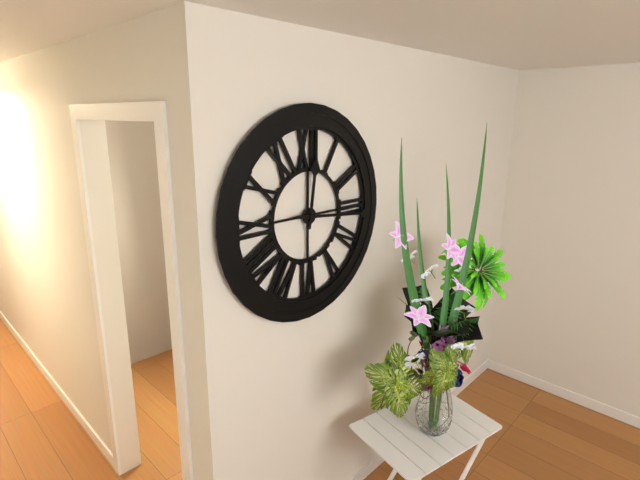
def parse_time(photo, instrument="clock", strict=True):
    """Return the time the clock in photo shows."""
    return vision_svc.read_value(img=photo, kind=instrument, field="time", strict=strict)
12:16
